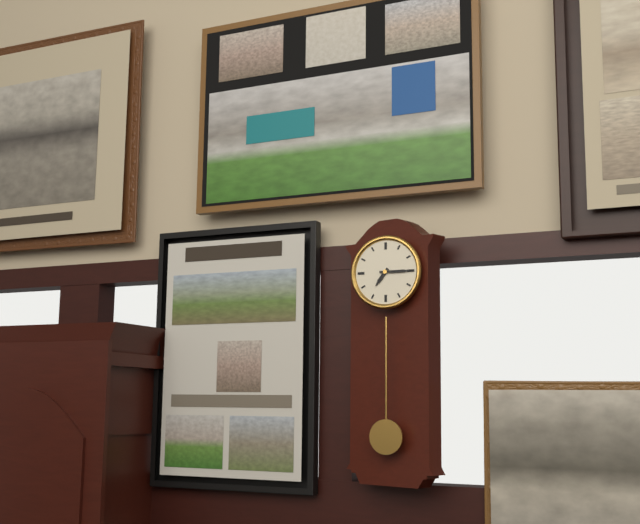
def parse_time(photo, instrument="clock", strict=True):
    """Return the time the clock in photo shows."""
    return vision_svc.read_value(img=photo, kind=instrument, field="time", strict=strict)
7:15
